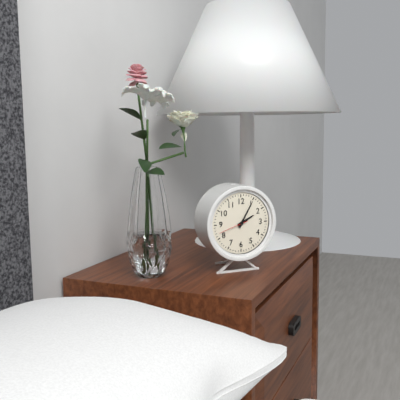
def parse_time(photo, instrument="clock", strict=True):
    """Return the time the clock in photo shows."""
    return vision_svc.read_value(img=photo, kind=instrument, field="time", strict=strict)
2:05
